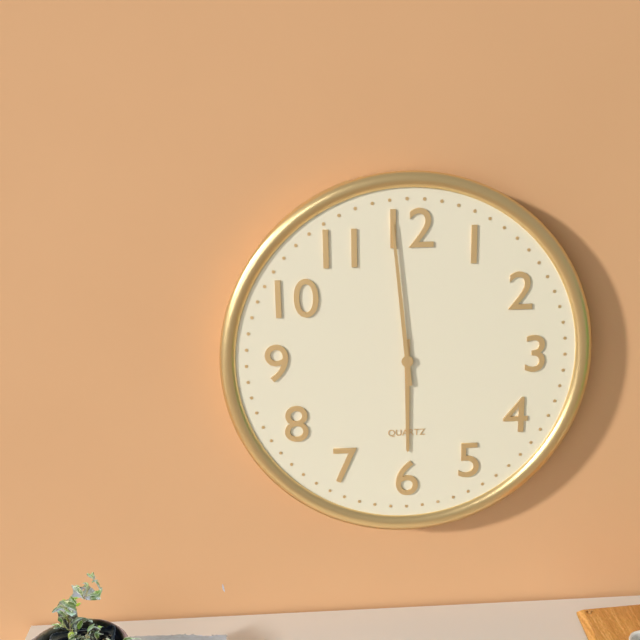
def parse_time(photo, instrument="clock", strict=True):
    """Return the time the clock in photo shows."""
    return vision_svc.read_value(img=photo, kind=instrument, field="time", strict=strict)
5:59
